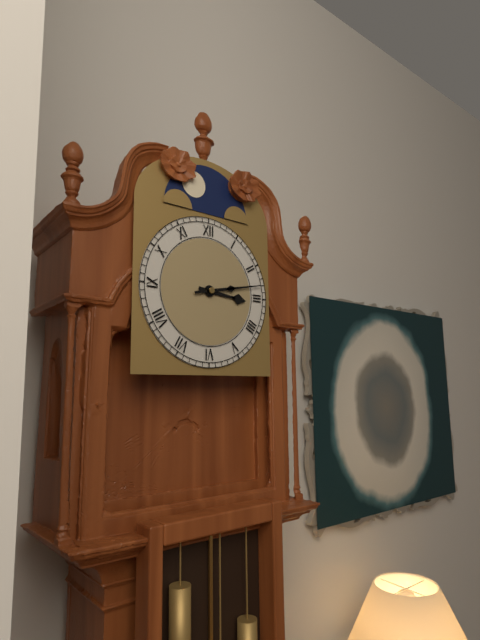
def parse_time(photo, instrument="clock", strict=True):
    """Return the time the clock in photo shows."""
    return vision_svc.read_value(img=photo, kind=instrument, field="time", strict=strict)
3:13
